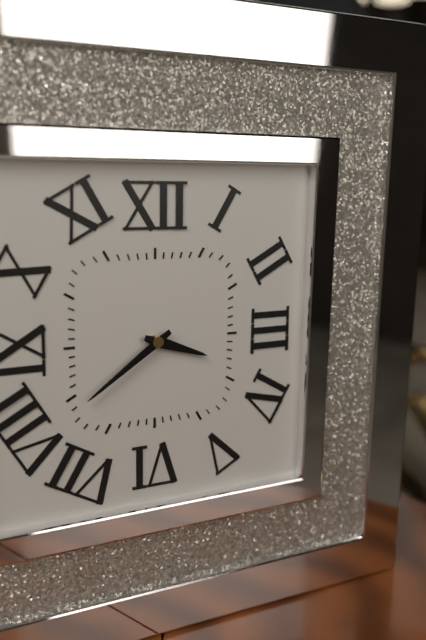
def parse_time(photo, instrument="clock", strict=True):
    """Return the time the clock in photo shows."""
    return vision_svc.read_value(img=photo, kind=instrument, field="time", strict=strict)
3:39
